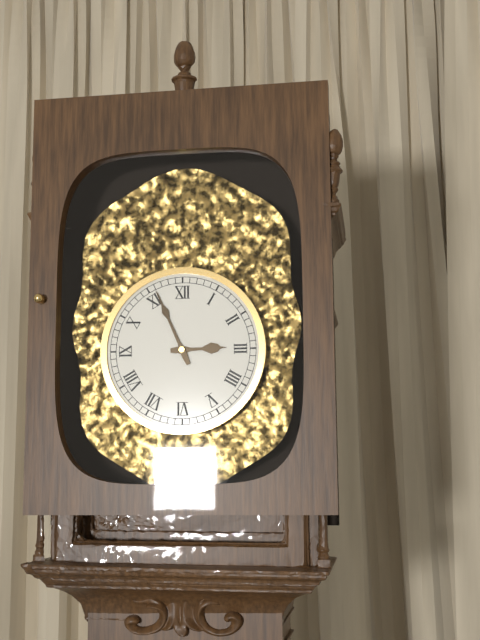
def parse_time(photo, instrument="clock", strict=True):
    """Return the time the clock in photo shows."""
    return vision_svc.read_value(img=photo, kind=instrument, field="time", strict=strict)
2:56
